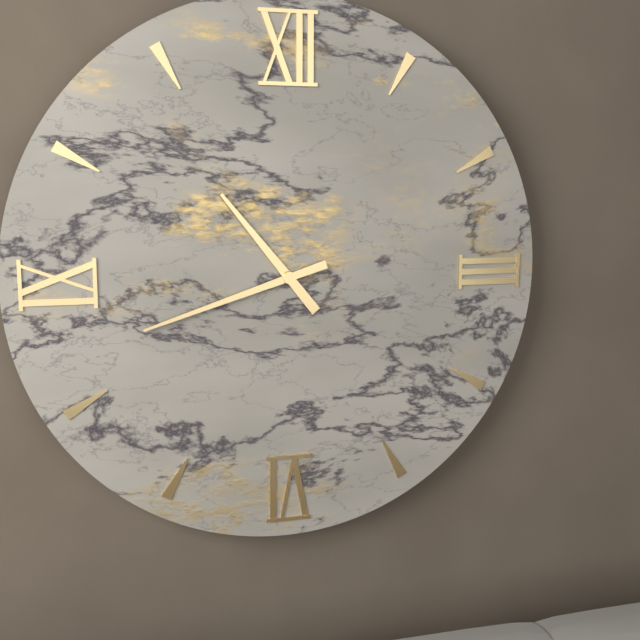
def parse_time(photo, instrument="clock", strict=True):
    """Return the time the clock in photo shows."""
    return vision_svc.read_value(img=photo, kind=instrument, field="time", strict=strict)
10:42
